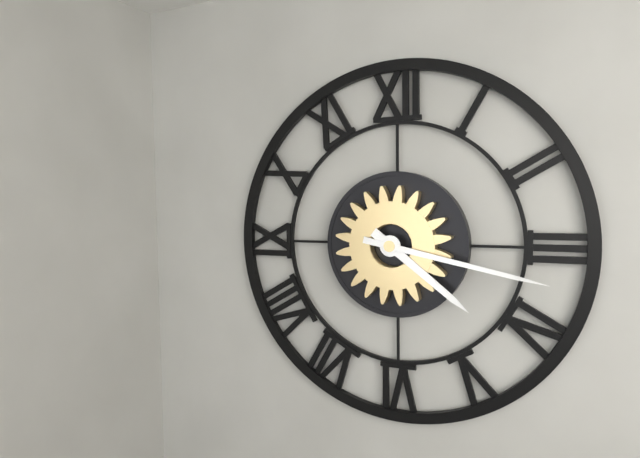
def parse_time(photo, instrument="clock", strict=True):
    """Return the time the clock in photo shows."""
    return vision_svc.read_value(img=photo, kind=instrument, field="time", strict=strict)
4:17
